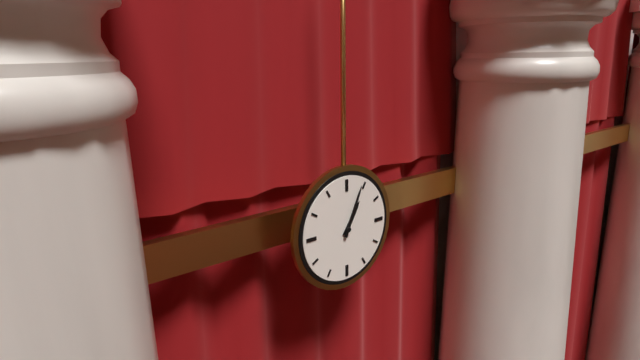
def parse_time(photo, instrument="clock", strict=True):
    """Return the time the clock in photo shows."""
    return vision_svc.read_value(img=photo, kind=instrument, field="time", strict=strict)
1:04
